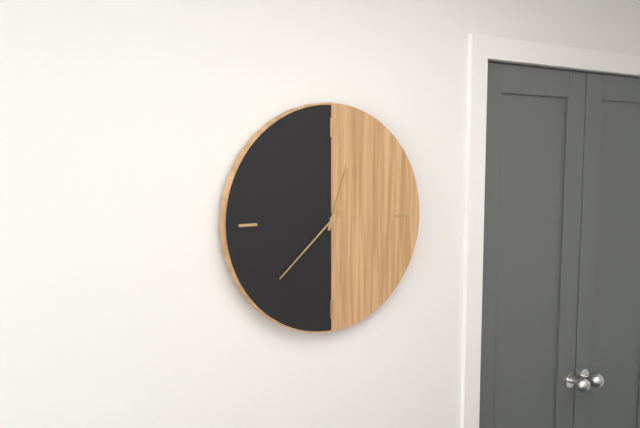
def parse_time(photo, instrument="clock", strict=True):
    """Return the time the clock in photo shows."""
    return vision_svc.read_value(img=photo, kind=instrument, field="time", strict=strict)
12:38
